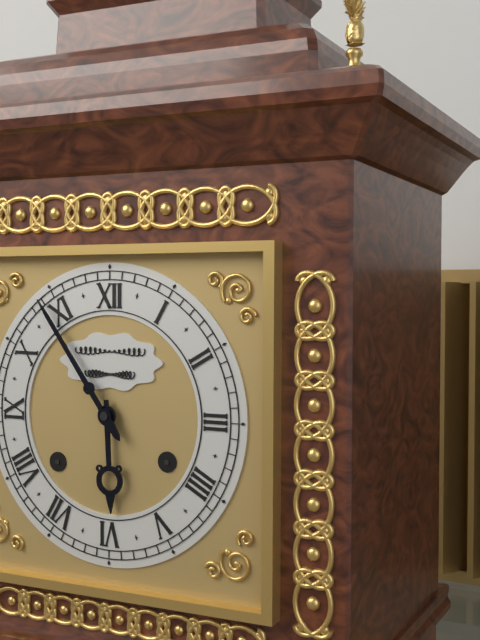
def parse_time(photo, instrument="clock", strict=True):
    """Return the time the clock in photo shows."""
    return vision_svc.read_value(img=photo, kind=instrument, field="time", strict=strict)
5:54
